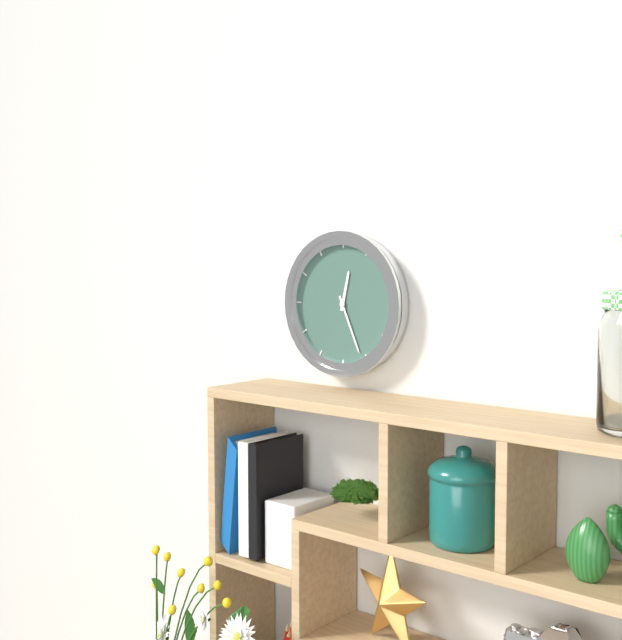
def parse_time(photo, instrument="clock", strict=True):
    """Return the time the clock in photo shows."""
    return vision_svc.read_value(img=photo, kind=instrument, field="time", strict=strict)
12:26
